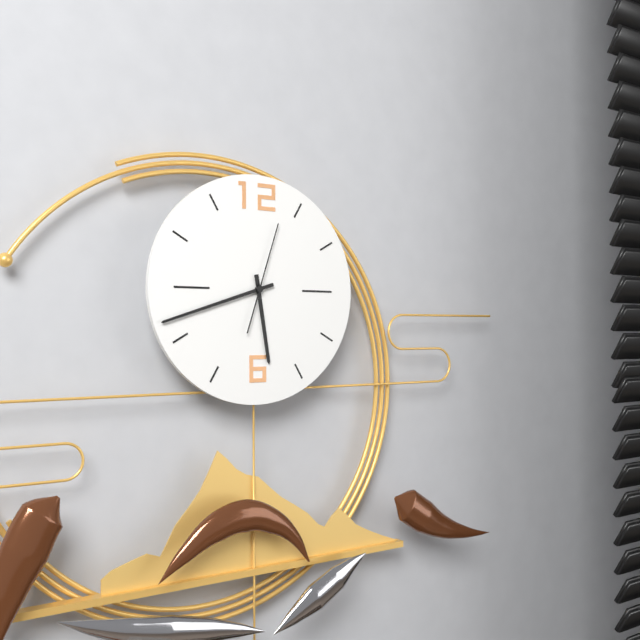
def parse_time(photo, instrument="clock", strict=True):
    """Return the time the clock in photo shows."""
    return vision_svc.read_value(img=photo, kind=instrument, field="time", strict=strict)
5:42:03
